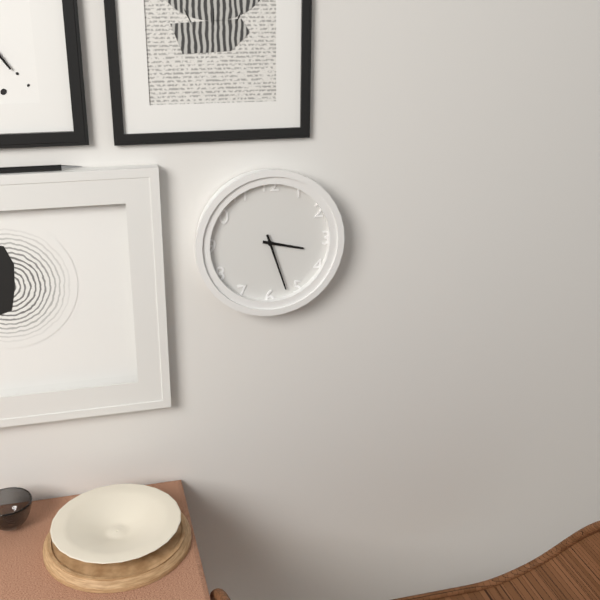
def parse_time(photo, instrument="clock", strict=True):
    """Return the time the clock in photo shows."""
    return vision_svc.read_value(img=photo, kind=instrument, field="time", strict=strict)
3:27
